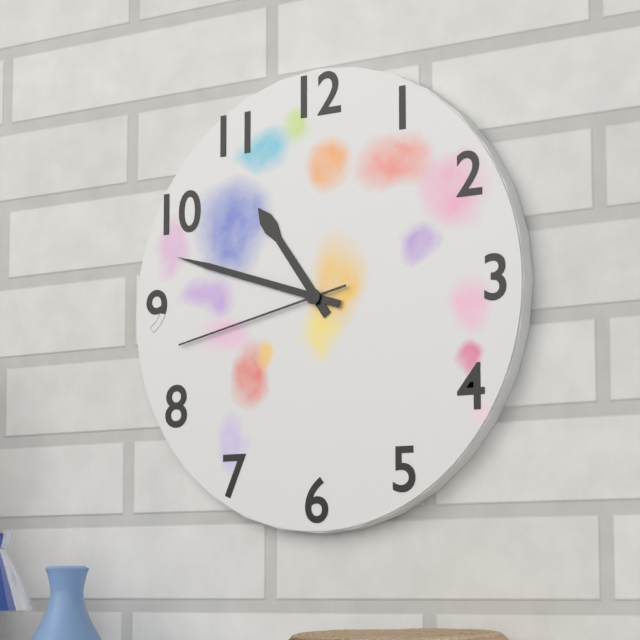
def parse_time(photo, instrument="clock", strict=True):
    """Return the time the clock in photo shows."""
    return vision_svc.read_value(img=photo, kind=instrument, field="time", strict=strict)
10:48:43
